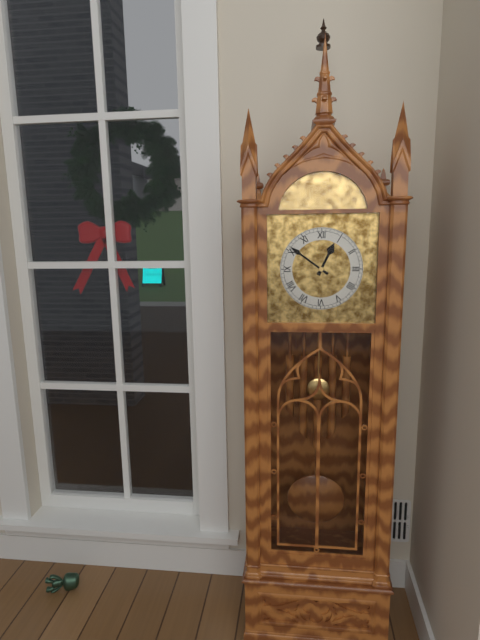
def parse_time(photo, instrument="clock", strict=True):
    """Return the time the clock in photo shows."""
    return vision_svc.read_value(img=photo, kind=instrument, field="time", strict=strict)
12:51
